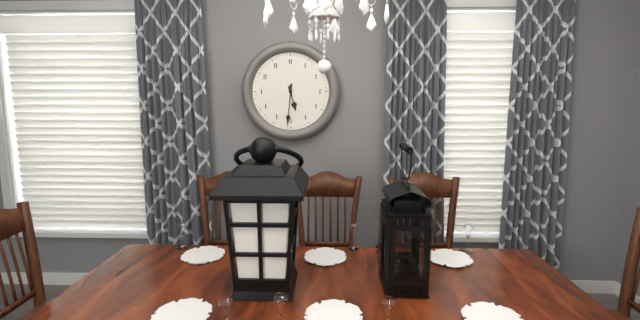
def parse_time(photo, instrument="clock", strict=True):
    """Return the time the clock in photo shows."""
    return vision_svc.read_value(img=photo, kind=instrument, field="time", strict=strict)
5:31
